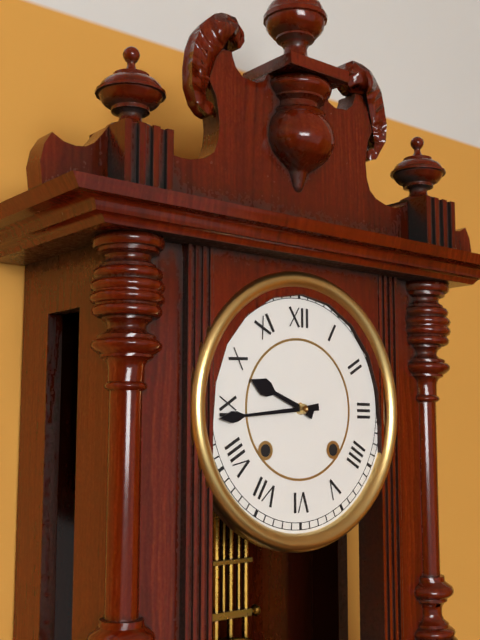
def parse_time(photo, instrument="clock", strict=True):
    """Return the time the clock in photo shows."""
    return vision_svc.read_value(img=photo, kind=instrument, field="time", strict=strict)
9:44
